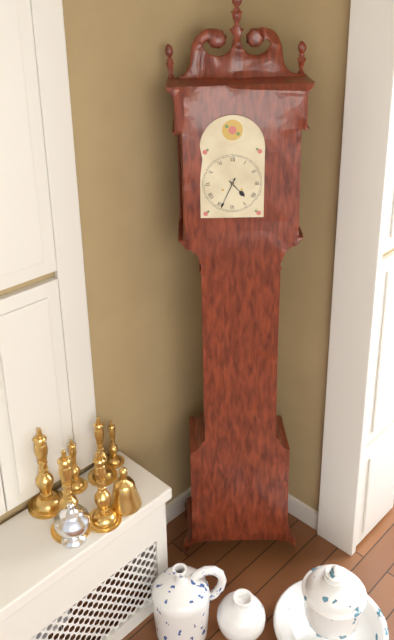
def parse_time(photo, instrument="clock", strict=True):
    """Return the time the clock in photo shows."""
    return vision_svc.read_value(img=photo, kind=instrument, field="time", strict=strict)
4:34
